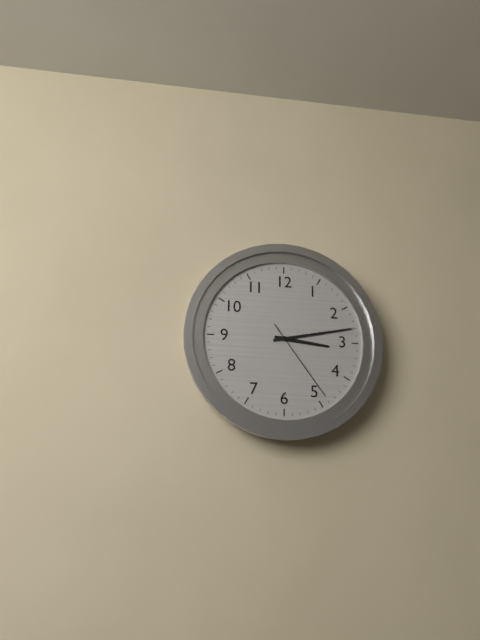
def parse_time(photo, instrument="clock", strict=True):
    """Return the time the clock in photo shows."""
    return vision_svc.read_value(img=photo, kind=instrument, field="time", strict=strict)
3:13:24
